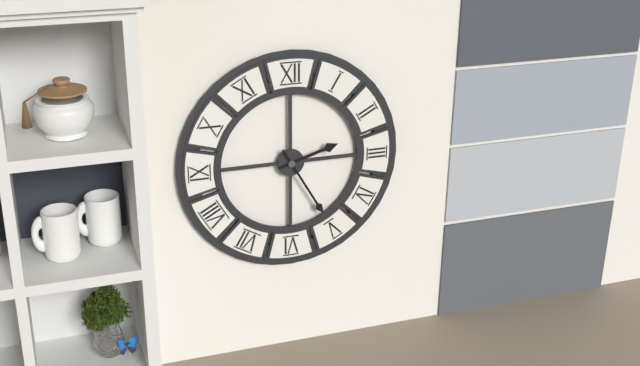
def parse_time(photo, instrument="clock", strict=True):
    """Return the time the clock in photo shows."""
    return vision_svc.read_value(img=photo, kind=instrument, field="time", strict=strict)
2:25
